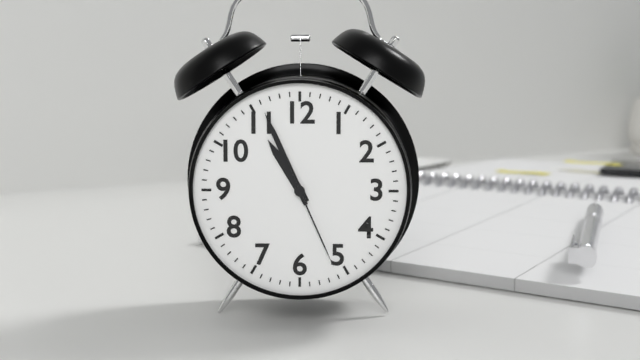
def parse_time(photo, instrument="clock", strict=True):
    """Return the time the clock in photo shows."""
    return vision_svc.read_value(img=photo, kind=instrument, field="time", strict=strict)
10:56:26
